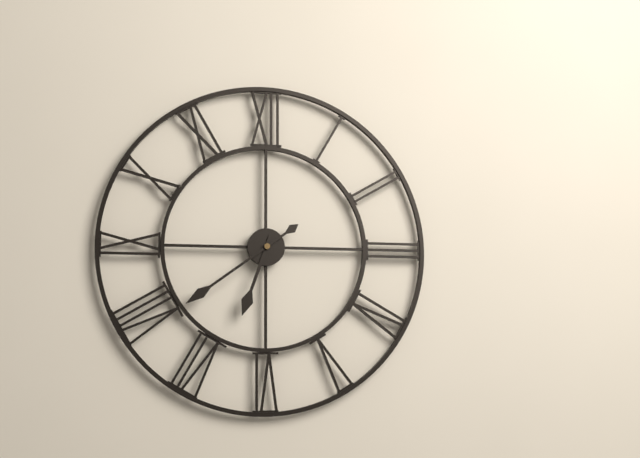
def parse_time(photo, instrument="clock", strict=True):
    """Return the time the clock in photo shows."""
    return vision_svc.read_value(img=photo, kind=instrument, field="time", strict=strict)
6:39
